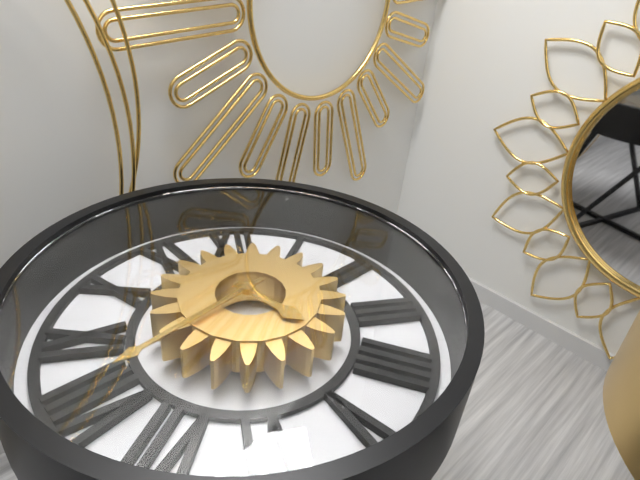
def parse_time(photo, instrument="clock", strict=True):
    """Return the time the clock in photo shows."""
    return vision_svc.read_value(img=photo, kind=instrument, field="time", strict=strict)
4:39
